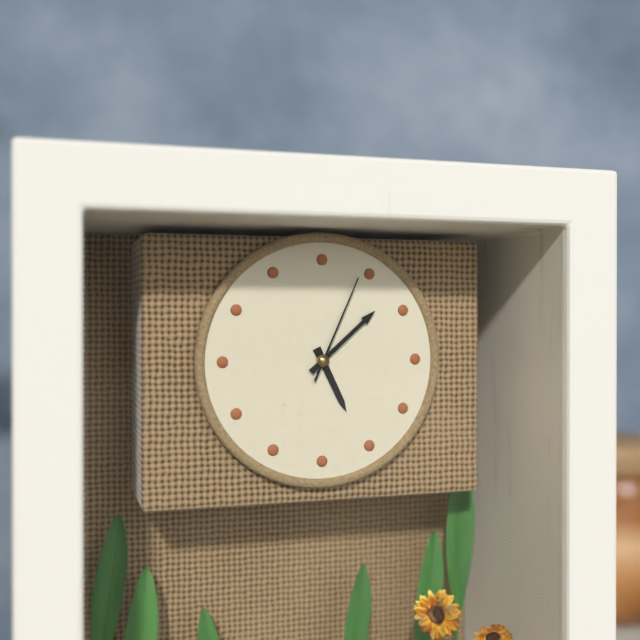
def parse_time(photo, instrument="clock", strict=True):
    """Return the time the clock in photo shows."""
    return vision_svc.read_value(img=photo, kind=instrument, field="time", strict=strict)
5:08:04
